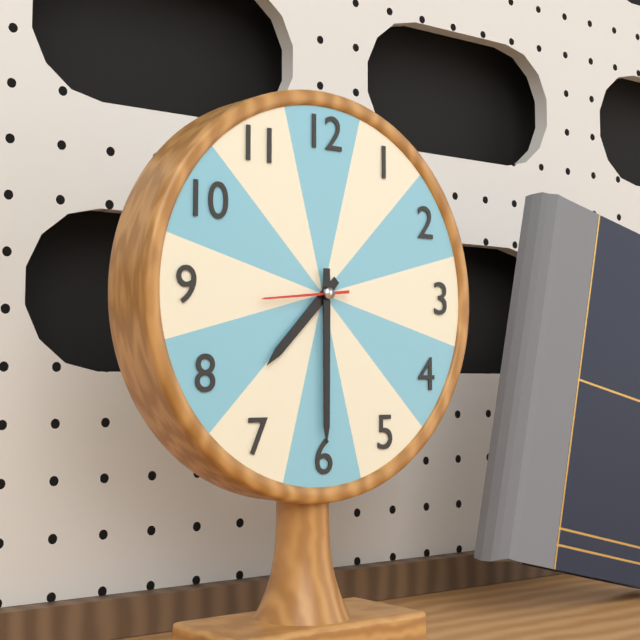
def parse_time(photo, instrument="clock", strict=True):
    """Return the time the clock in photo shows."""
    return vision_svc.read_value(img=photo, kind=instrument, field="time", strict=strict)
7:30:44
